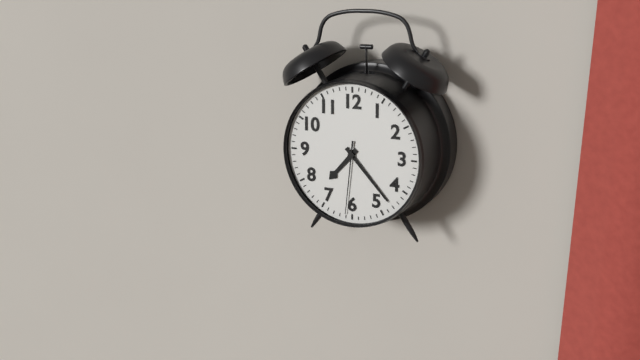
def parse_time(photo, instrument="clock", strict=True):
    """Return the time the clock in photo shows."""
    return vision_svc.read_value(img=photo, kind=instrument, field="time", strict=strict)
7:23:31
